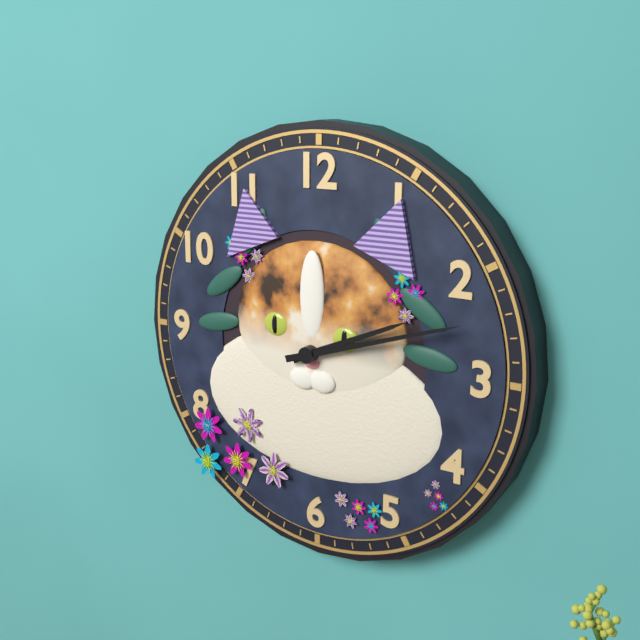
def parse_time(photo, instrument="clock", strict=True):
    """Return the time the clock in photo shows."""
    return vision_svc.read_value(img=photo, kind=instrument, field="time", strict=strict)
2:12
